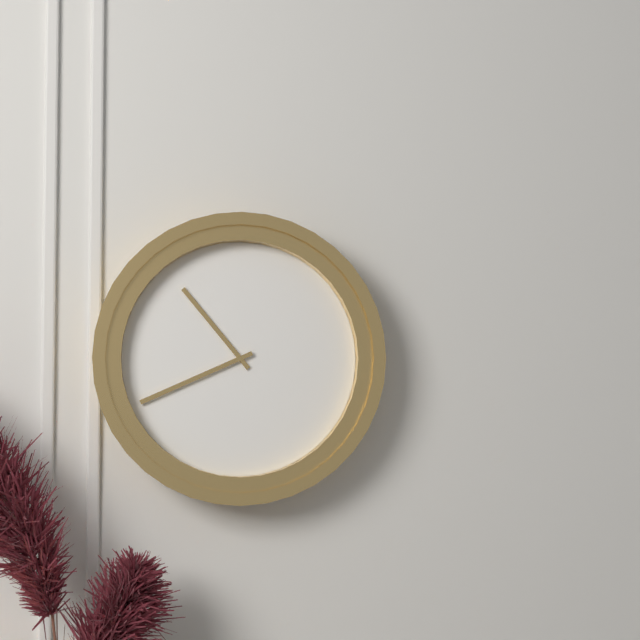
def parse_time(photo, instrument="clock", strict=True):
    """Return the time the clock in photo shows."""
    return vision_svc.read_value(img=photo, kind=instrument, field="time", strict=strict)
10:41
